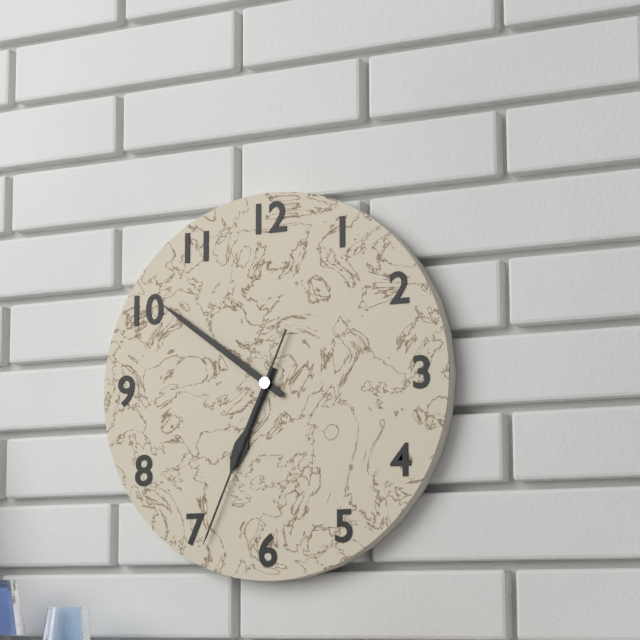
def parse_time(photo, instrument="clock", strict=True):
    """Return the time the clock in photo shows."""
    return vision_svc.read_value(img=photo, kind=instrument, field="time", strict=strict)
6:51:34
